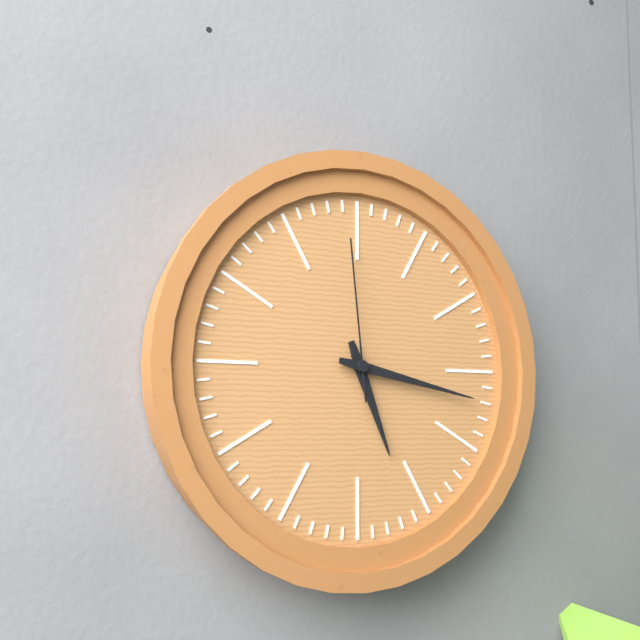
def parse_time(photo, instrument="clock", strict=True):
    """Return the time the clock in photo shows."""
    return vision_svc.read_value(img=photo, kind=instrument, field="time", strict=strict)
5:17:59
